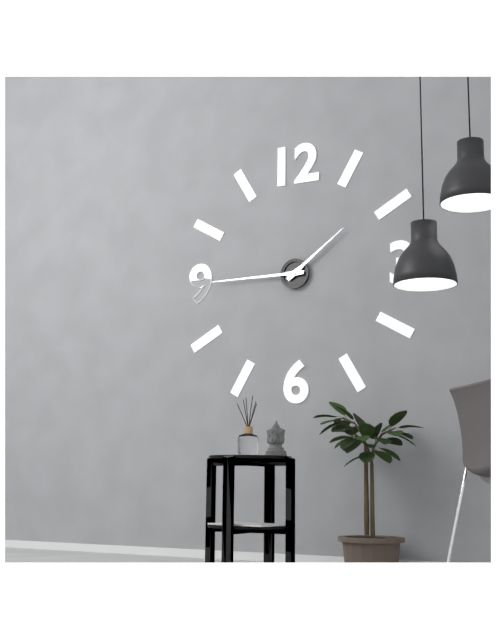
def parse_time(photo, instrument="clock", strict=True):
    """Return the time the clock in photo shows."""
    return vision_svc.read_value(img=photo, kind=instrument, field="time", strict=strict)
1:45
